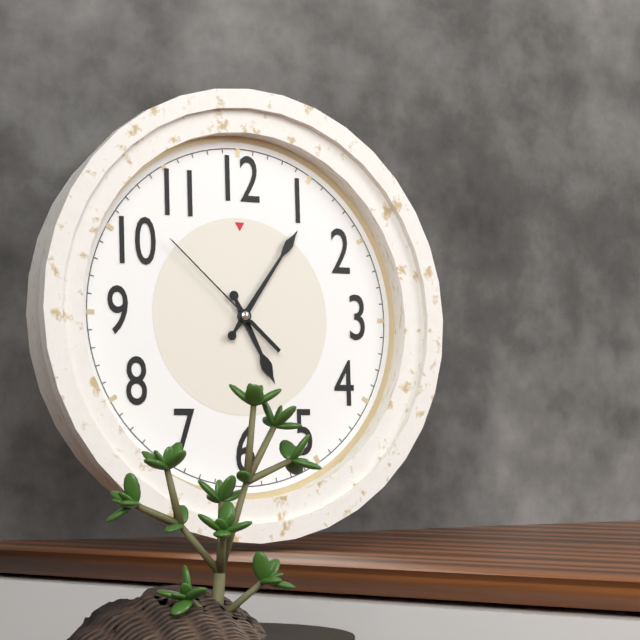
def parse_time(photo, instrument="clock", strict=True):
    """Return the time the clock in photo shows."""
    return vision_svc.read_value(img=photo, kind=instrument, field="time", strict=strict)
5:06:52
